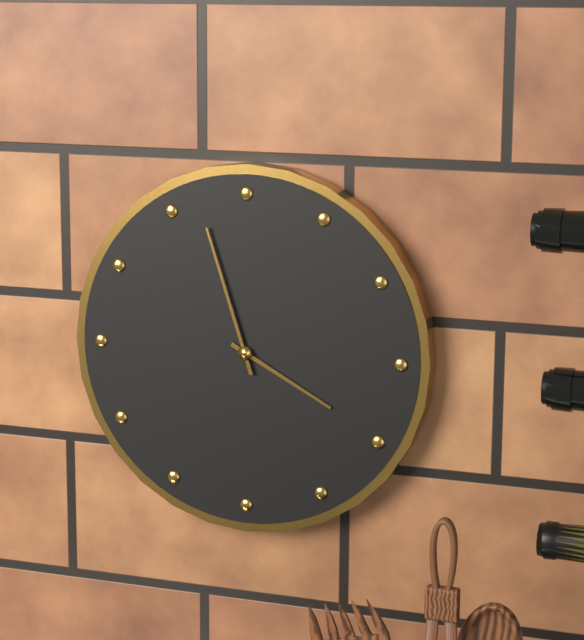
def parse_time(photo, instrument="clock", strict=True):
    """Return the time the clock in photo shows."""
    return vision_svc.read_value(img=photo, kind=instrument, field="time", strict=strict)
3:57
